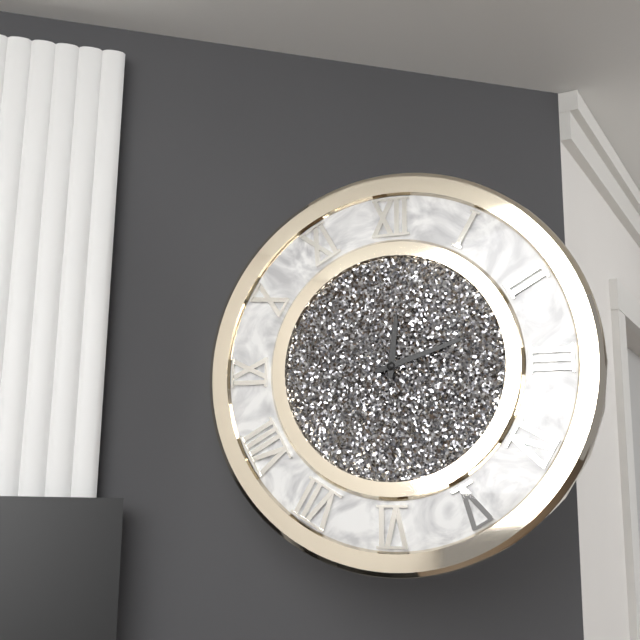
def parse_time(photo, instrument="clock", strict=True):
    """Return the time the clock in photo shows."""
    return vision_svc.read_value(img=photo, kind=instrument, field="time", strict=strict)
12:12
